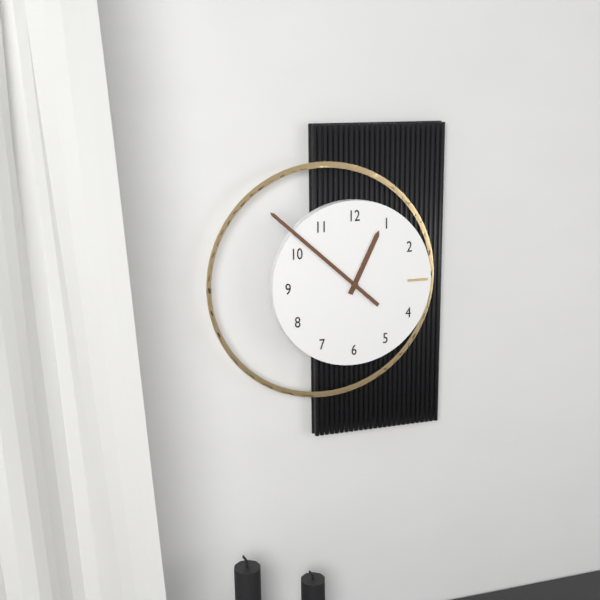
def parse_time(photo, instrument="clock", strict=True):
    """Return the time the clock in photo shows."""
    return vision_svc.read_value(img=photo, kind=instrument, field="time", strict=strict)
12:52
